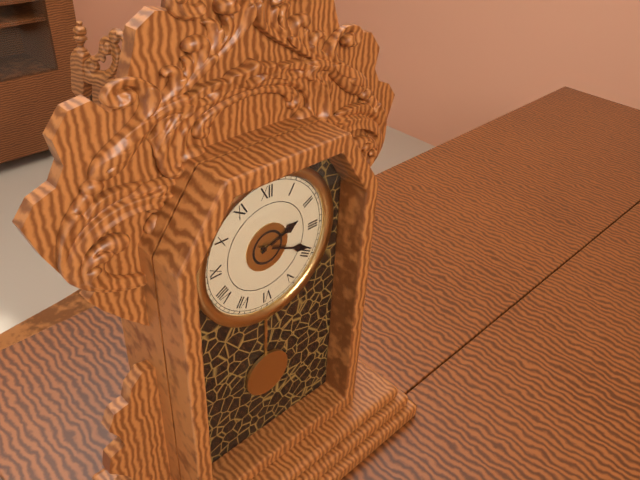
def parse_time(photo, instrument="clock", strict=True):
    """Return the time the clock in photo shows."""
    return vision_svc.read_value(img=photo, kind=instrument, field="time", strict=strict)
2:19
